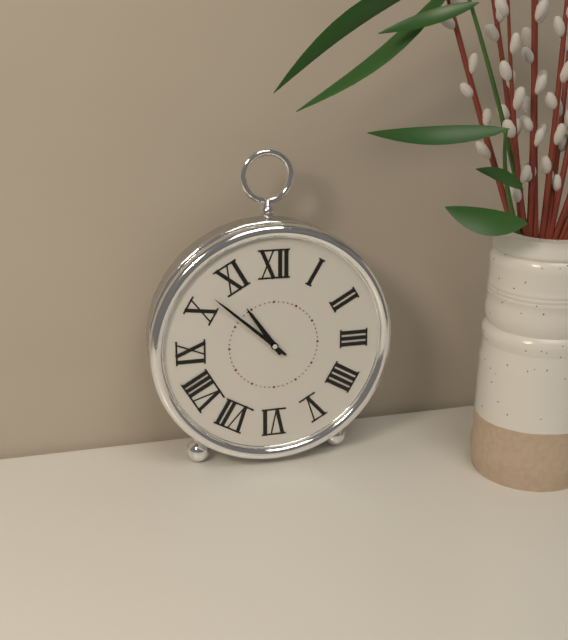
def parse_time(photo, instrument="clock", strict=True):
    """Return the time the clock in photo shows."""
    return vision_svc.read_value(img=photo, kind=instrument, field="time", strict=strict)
10:52
